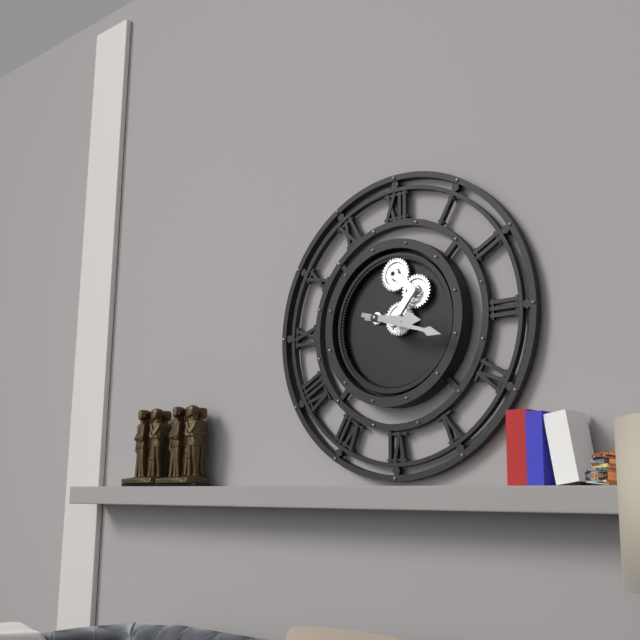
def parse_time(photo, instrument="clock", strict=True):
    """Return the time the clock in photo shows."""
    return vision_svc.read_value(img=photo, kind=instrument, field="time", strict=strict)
3:18
